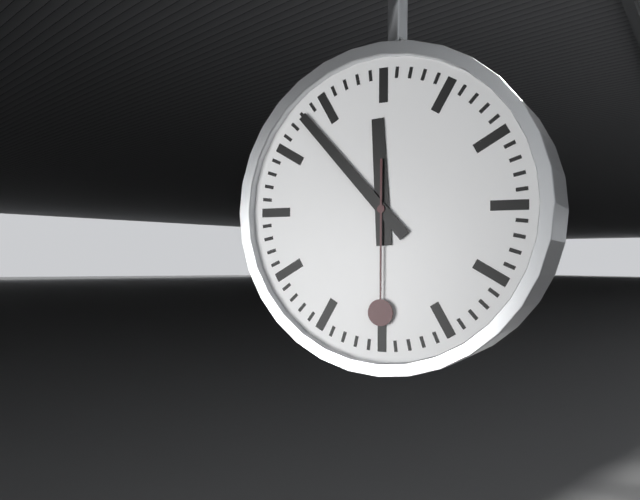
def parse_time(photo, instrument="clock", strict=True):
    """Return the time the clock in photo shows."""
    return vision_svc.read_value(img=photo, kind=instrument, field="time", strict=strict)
11:53:30
